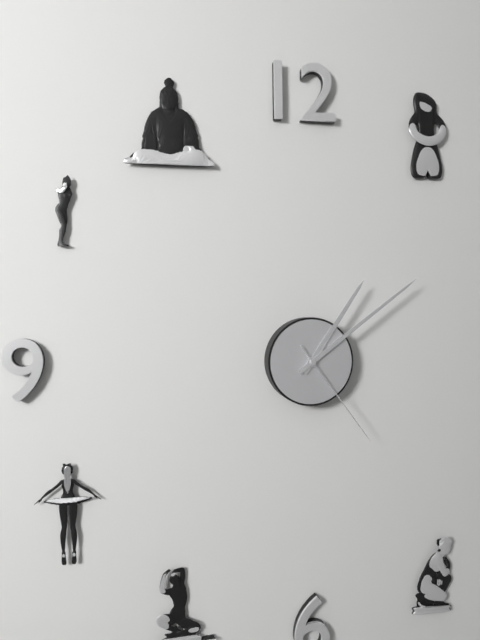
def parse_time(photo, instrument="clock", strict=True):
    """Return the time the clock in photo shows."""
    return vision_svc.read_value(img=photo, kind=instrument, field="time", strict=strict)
1:09:24
